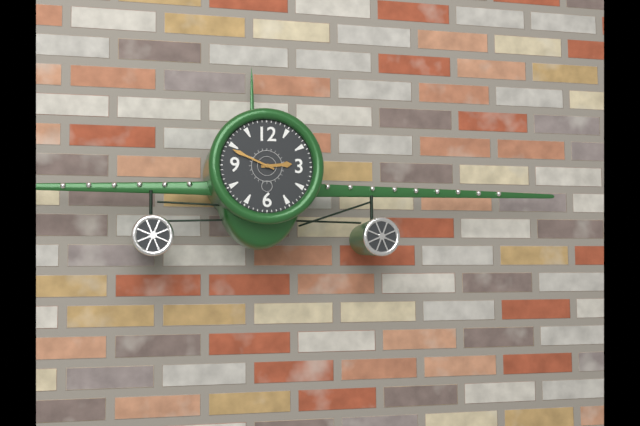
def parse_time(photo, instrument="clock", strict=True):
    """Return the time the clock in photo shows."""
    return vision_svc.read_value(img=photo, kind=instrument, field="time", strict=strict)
2:49
